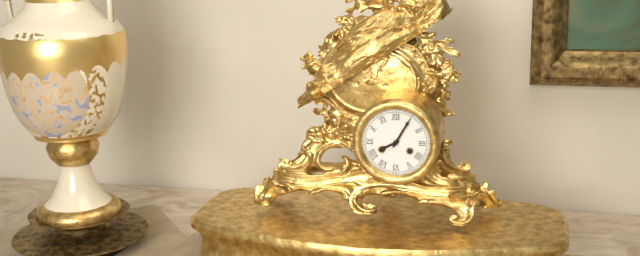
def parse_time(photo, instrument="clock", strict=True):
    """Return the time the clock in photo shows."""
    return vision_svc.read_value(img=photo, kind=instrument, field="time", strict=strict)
8:05
